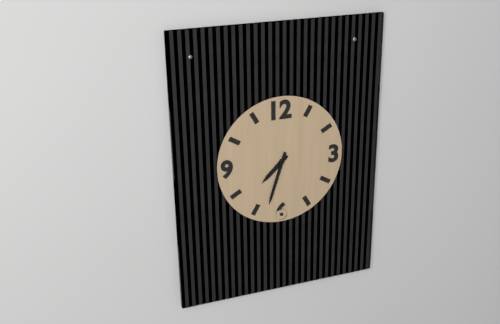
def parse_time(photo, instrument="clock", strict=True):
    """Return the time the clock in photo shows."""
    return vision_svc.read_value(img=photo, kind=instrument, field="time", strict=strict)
7:33
